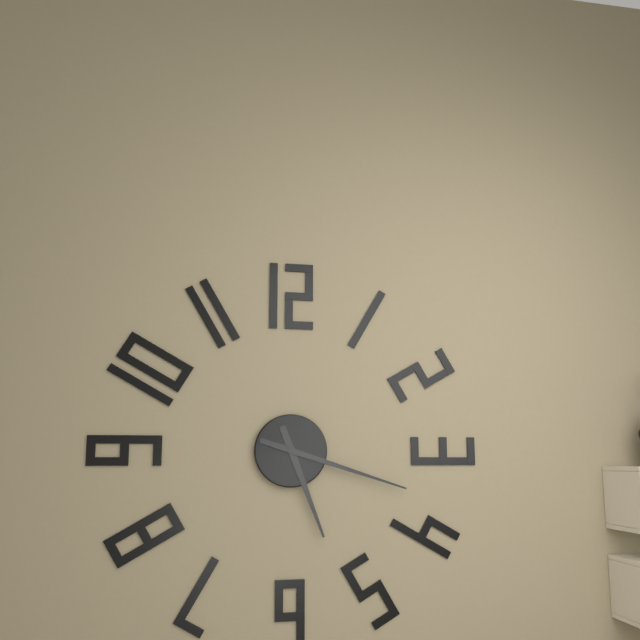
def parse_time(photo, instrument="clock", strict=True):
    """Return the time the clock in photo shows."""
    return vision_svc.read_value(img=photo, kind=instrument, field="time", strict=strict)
5:18
